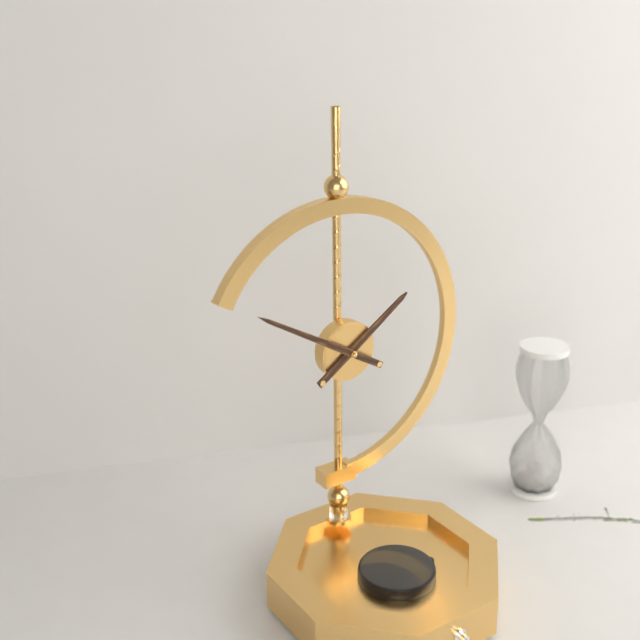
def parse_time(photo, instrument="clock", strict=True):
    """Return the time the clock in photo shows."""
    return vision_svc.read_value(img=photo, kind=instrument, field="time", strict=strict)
1:50
